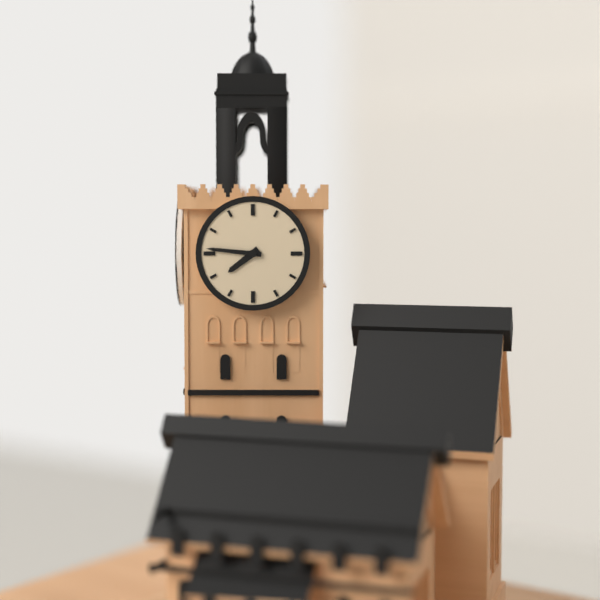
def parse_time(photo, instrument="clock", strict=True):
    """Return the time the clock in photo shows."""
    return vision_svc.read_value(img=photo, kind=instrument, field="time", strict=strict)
7:46
